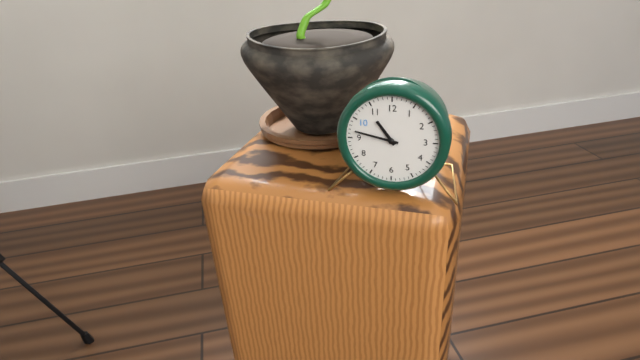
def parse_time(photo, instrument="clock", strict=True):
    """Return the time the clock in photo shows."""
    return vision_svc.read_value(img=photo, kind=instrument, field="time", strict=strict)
10:47
